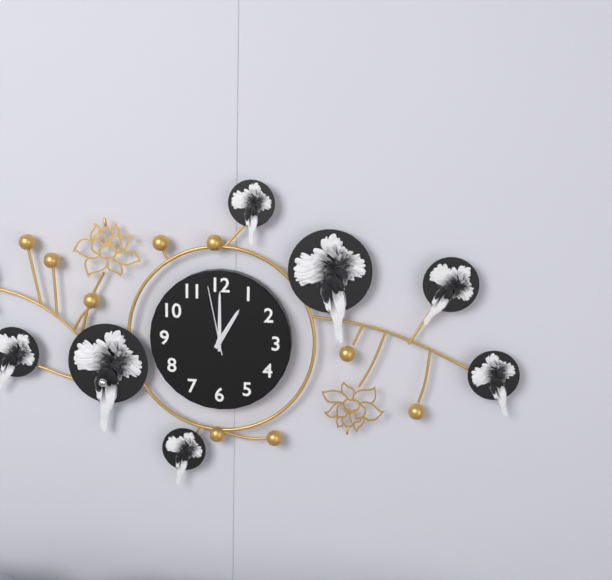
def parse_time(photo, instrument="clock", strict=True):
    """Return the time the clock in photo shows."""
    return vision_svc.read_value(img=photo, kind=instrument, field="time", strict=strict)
1:00:58
